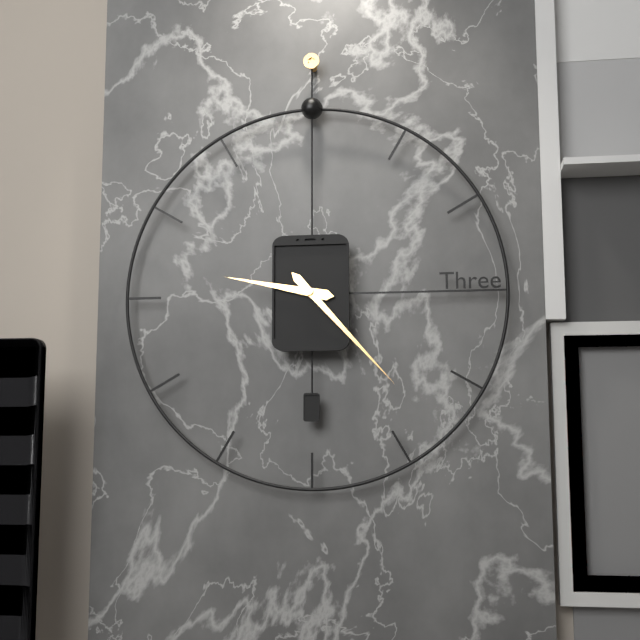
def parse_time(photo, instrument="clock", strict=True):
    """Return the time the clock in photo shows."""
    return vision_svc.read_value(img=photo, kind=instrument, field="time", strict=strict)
9:23
